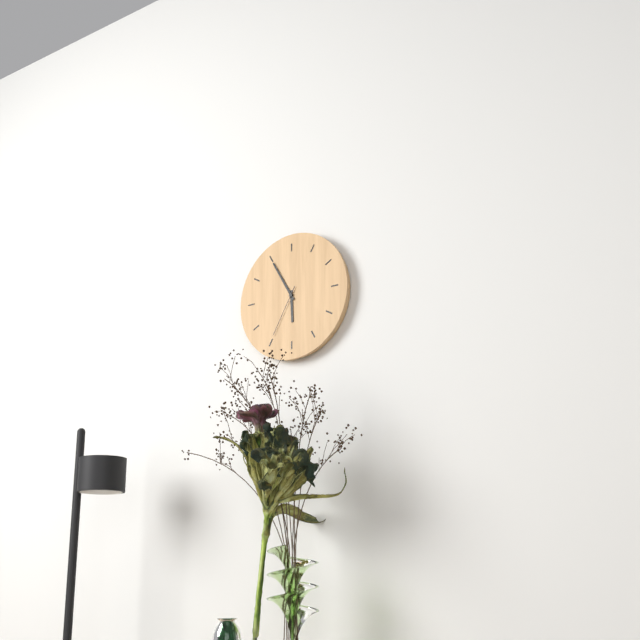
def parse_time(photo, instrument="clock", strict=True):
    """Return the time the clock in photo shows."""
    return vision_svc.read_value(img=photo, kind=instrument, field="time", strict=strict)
5:55:35
